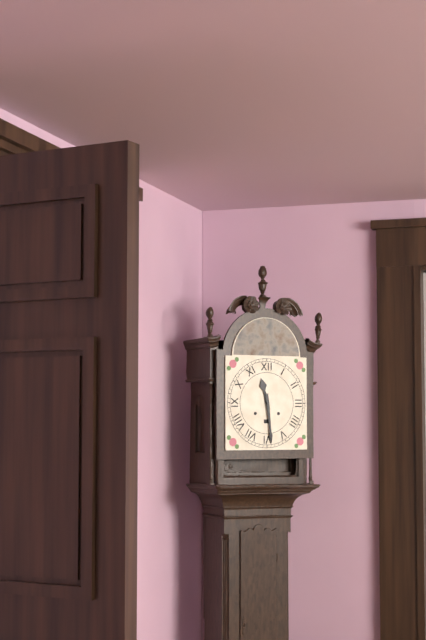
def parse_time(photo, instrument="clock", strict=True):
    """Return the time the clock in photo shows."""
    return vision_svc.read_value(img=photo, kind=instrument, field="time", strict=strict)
11:29
